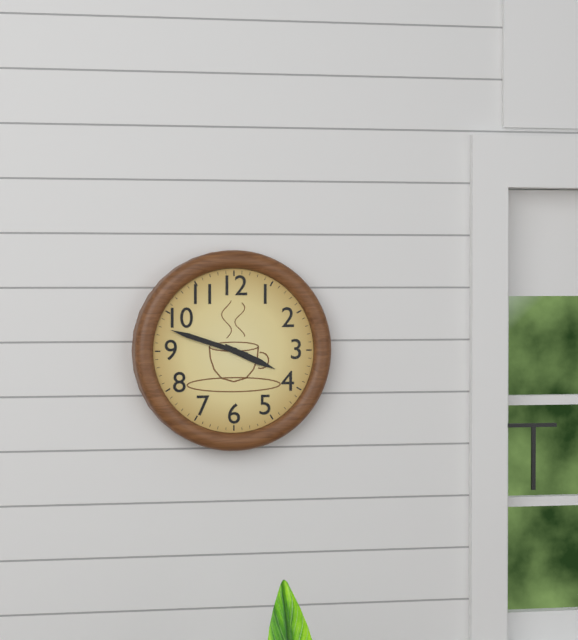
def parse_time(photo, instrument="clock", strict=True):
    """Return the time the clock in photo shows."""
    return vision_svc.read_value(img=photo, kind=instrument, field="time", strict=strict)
3:48
